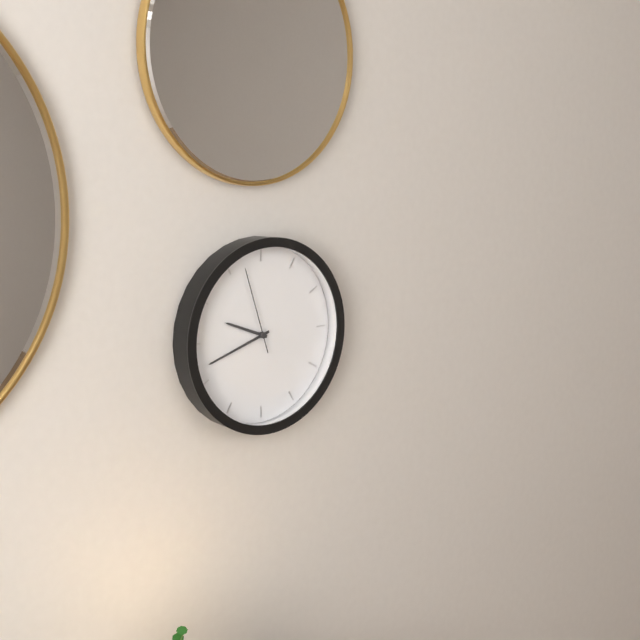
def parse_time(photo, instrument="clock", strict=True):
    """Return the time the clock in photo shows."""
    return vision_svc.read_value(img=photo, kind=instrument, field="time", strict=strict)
9:42:57
